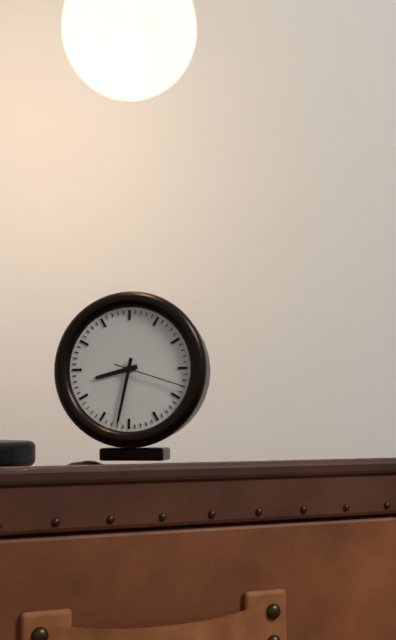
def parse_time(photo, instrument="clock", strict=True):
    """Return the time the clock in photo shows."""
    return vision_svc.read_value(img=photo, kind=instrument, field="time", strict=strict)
8:32:18
